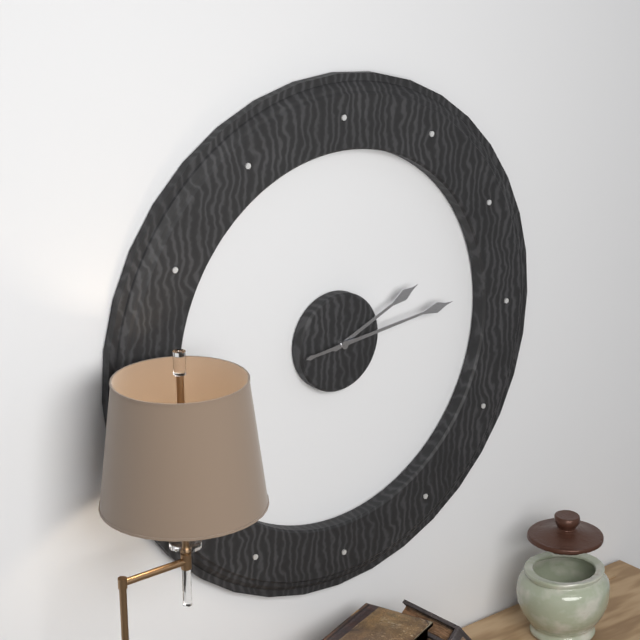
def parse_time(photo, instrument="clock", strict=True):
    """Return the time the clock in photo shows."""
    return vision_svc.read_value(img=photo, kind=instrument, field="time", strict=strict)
2:14
